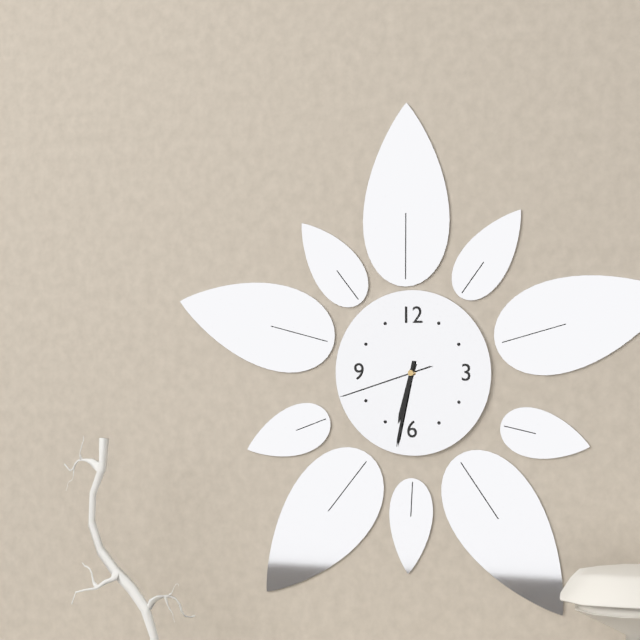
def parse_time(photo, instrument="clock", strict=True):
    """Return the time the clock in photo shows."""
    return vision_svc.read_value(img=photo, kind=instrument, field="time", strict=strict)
6:32:42
